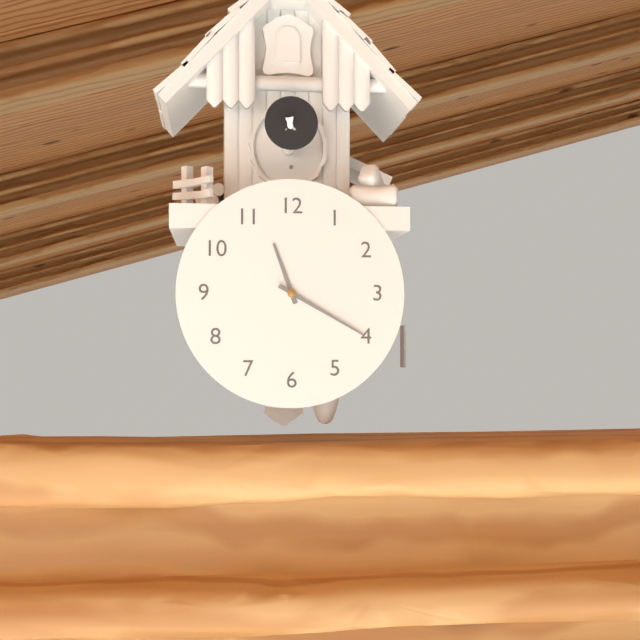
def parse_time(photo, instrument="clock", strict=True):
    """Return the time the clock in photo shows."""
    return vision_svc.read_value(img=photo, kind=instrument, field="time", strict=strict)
11:20
